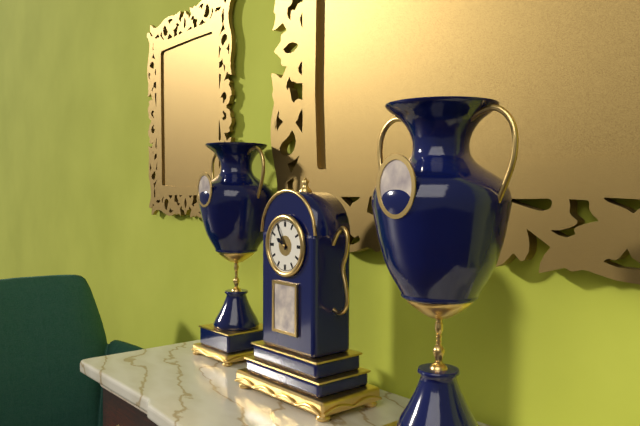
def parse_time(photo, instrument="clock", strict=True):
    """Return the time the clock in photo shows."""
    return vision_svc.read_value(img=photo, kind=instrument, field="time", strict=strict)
9:55
